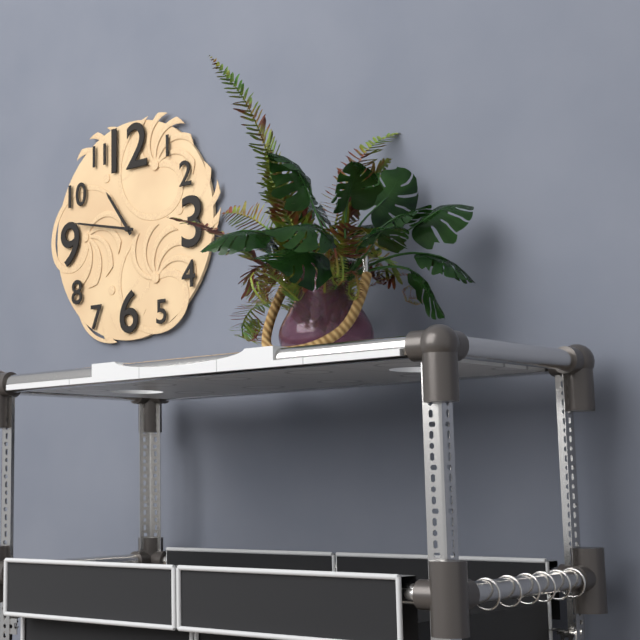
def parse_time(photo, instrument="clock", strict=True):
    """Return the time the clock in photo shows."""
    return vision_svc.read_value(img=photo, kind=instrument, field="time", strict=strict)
10:47
